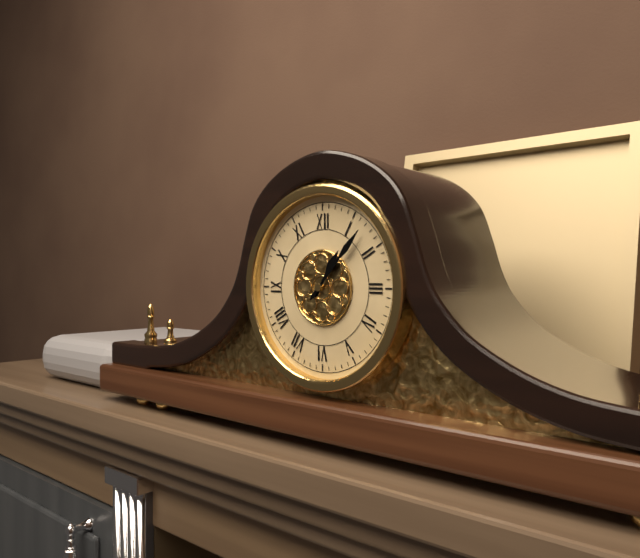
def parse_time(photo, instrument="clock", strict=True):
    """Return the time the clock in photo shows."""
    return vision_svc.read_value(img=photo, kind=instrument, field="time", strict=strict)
1:07
